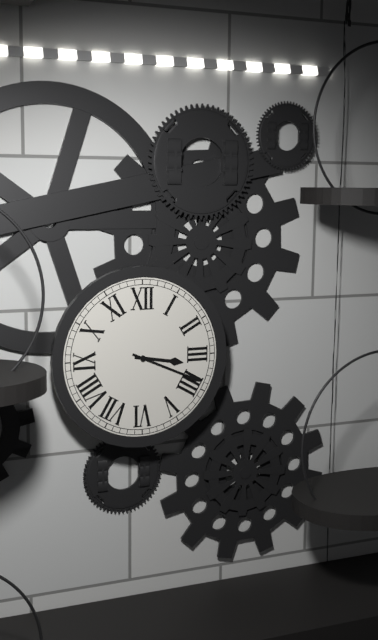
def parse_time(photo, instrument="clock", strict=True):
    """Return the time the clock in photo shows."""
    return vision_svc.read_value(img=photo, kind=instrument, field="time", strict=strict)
3:19
